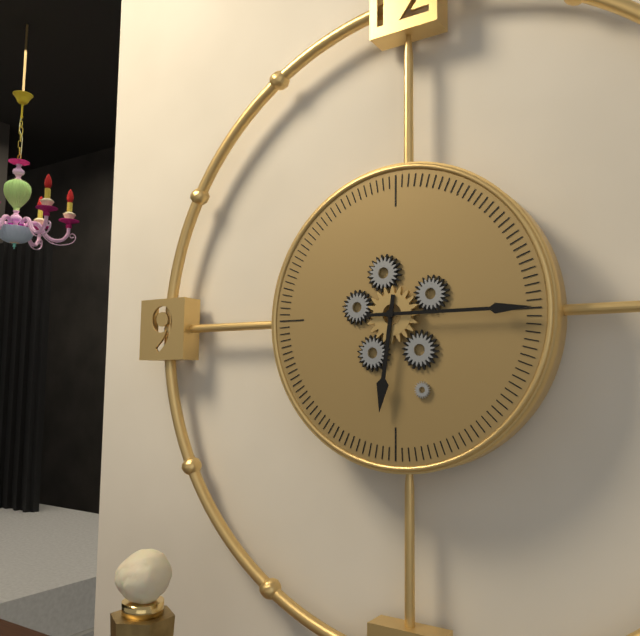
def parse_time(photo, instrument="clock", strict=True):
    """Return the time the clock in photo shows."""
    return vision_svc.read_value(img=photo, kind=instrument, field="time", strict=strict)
6:15
